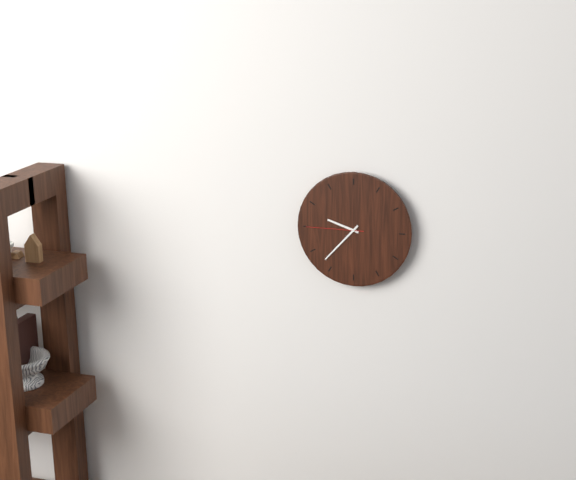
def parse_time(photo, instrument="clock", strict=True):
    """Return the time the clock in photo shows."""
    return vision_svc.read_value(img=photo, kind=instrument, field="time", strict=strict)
9:37:45
